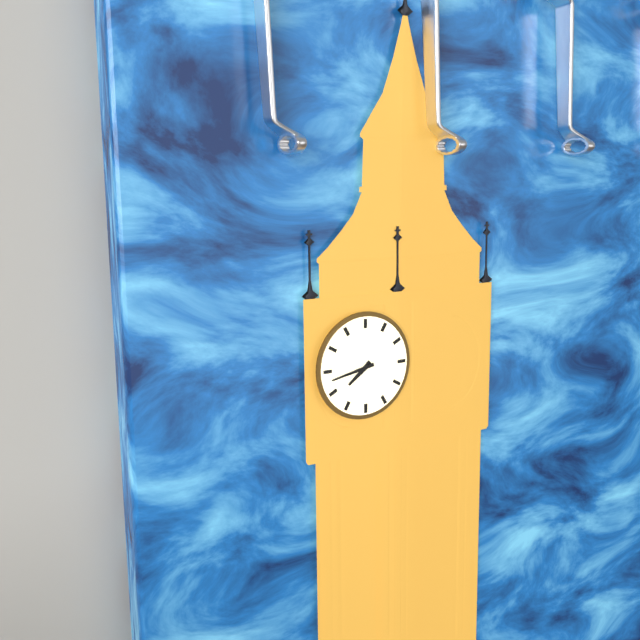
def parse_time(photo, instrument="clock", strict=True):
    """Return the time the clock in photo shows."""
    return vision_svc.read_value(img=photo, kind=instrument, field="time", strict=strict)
7:43
